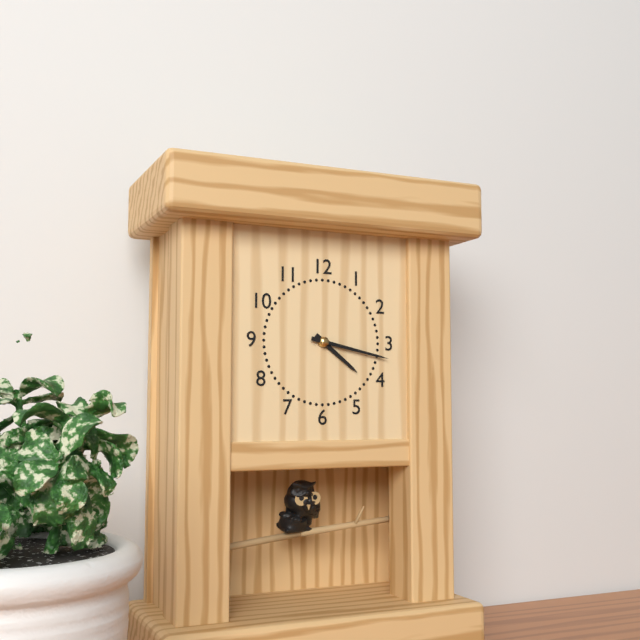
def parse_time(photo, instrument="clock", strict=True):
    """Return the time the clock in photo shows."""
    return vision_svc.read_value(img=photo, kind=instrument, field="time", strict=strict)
4:17
